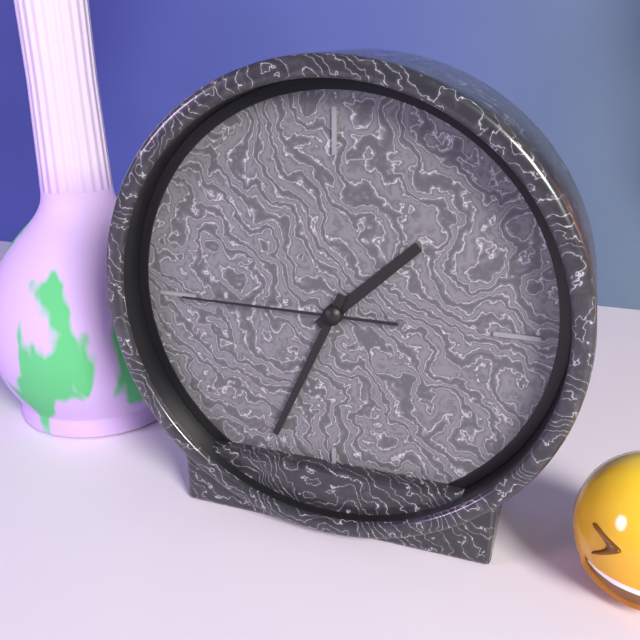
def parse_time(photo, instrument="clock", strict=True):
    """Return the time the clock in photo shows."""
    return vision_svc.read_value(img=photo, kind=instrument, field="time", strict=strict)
1:34:45
